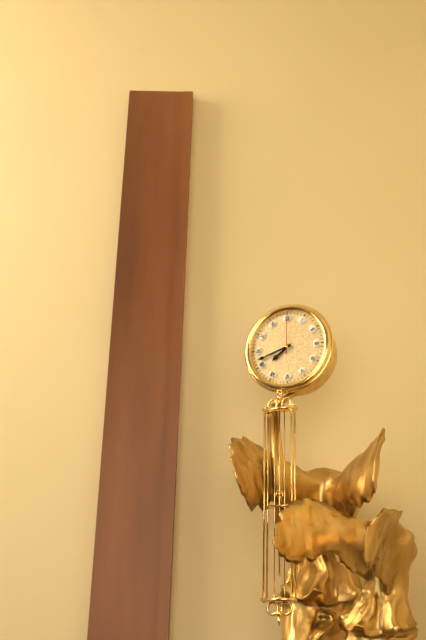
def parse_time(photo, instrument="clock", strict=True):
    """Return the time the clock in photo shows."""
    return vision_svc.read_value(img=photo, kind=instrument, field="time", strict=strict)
7:42
